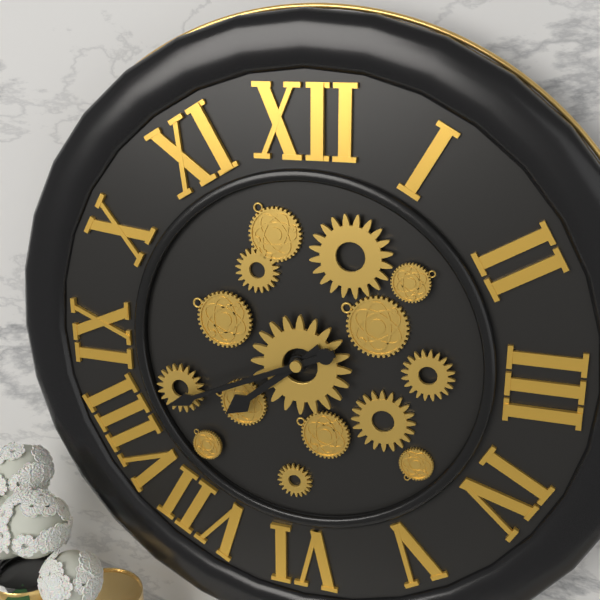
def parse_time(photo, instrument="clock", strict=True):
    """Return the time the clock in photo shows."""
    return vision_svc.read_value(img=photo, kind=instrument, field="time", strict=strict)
7:41
